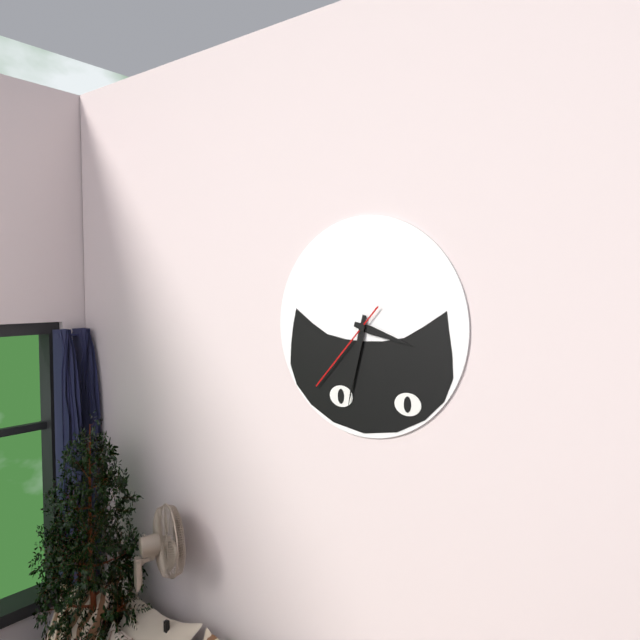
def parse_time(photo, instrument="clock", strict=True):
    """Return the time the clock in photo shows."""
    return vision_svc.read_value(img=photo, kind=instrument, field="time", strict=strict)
3:32:37
